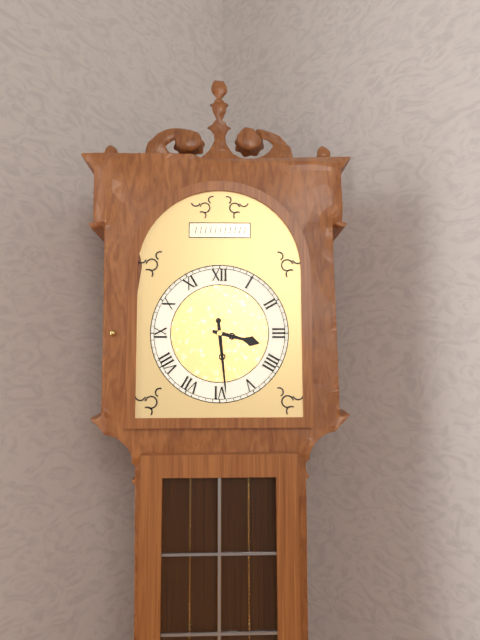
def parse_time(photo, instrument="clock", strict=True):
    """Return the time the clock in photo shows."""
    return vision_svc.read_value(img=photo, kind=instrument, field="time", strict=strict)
3:29
